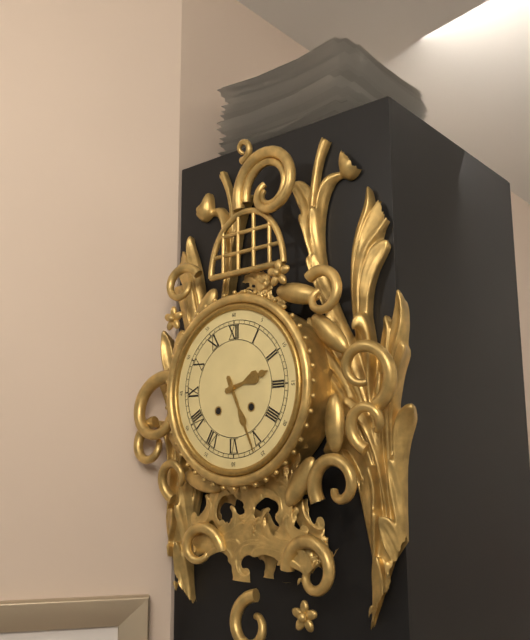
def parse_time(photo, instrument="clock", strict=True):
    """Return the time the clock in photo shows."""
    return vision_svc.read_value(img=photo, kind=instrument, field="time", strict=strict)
2:26
